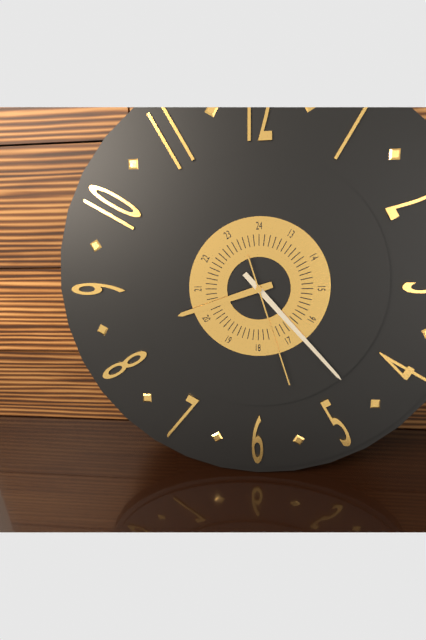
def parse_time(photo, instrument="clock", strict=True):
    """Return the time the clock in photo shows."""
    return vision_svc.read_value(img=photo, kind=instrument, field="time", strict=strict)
8:23:27
